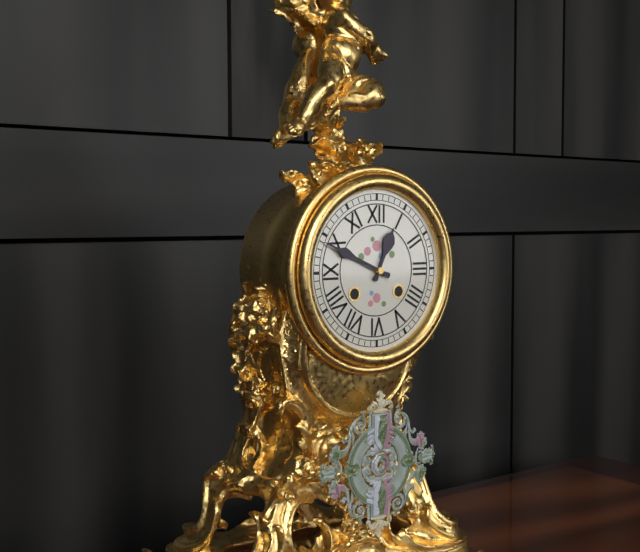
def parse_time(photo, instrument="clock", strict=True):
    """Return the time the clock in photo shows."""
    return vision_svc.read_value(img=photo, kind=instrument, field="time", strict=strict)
12:49
